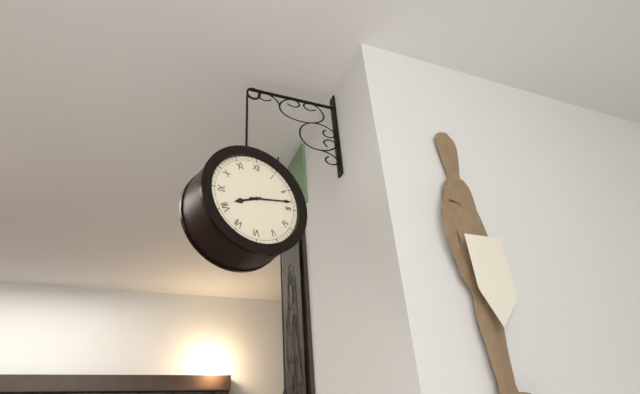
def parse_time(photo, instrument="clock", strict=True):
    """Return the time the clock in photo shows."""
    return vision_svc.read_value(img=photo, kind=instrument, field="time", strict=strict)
8:13
